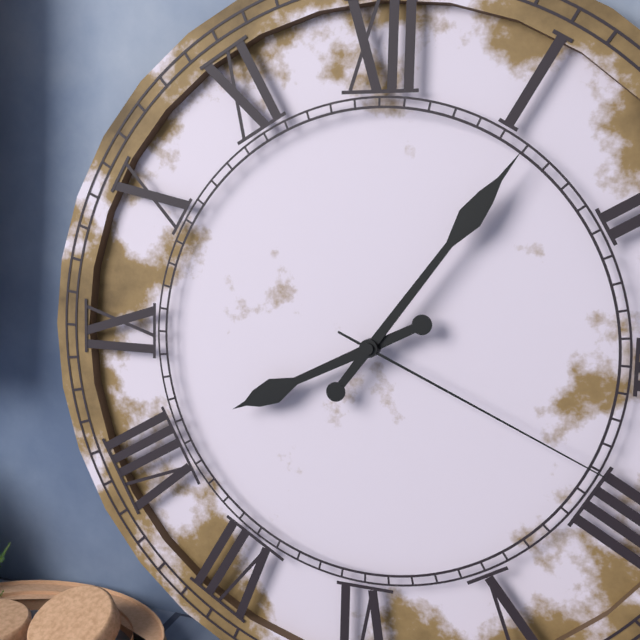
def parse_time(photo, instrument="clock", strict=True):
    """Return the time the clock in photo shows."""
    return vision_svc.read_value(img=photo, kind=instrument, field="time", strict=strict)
8:06:19
